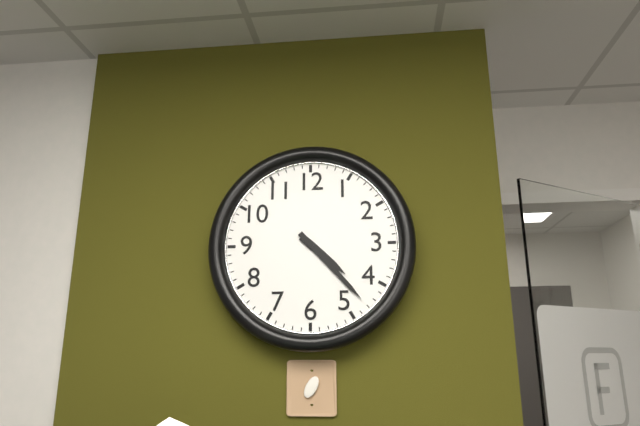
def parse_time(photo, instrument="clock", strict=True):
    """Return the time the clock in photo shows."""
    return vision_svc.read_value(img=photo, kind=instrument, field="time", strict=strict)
4:23
